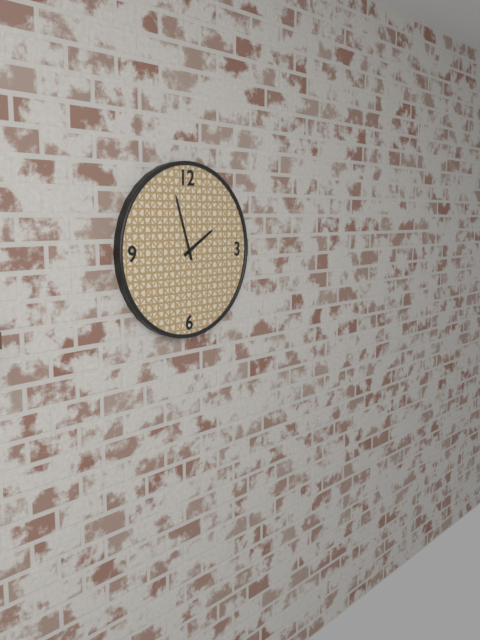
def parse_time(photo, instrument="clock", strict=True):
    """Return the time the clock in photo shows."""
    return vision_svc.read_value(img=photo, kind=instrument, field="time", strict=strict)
1:57
